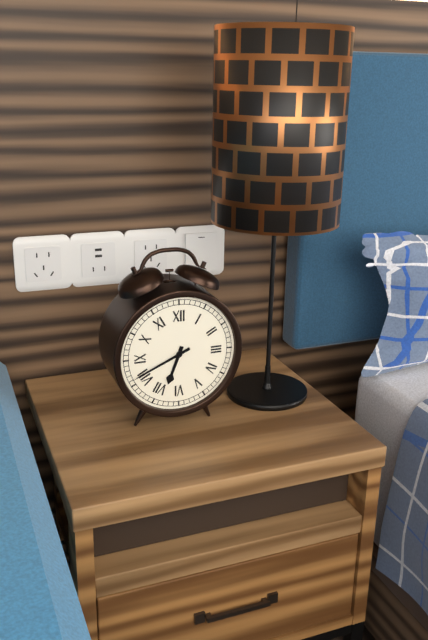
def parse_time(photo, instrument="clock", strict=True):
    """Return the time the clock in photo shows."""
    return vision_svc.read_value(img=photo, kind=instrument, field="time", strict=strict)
6:41
